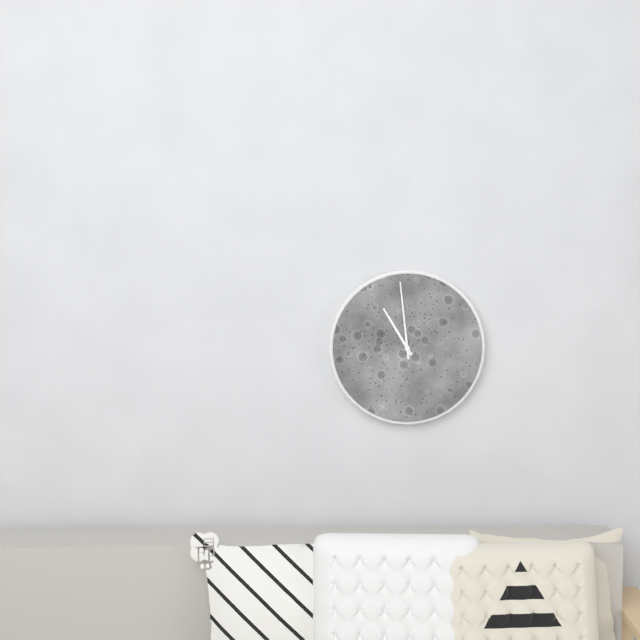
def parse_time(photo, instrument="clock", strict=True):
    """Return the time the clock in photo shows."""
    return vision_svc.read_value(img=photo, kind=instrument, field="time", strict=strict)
10:59
